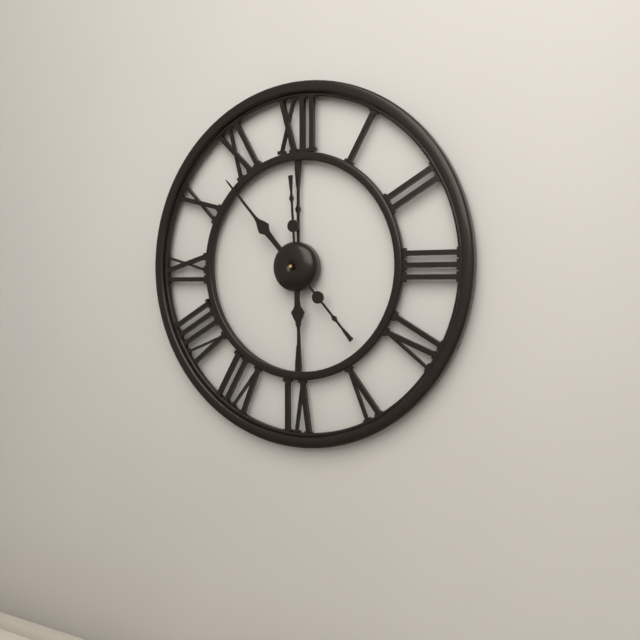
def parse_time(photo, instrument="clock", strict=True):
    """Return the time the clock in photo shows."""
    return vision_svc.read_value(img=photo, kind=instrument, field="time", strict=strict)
5:53
